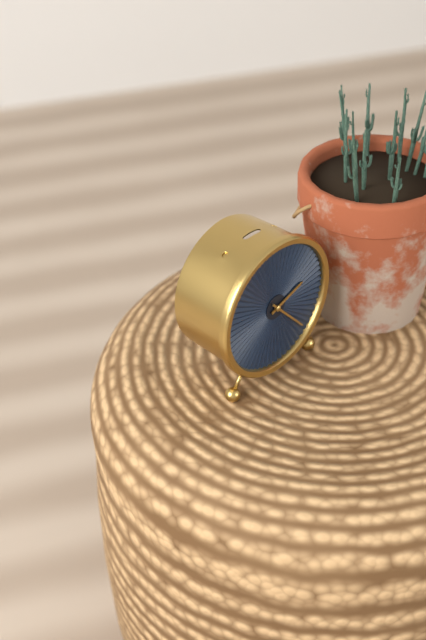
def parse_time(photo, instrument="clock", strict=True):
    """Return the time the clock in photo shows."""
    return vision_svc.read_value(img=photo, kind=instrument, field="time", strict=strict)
2:23
